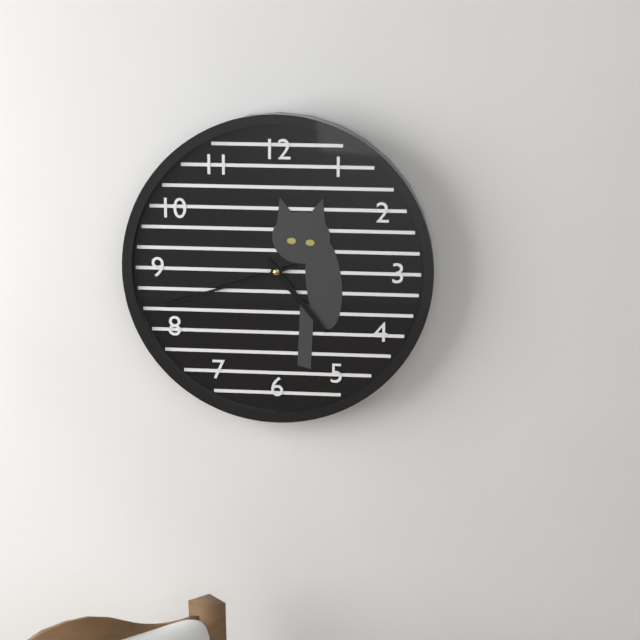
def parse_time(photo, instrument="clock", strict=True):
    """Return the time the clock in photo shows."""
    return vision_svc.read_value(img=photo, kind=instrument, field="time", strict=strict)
4:42
